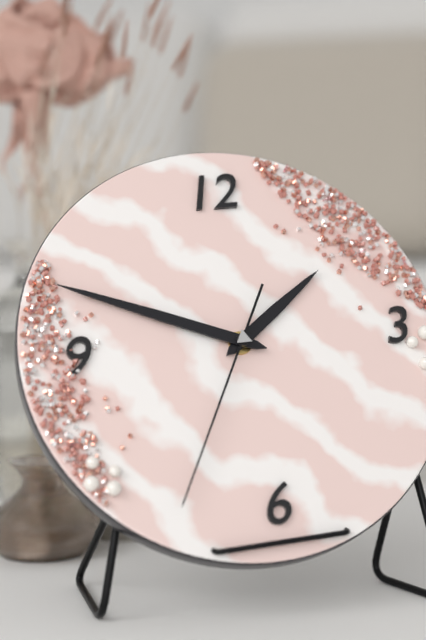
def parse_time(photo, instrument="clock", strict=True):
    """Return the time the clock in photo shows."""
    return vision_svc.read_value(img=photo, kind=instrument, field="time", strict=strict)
1:49:35
